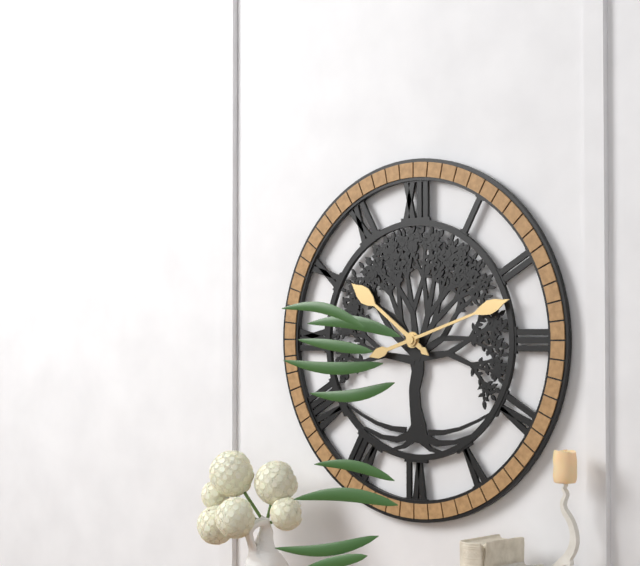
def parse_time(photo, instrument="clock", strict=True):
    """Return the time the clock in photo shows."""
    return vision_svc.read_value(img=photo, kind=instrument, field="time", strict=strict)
10:12
